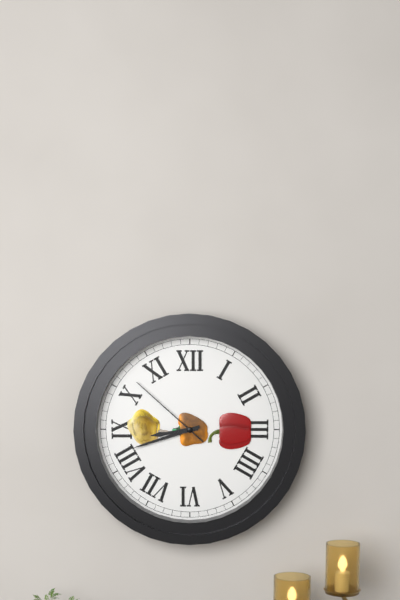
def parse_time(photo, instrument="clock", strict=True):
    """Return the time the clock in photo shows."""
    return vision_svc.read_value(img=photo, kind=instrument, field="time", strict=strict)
8:42:52
